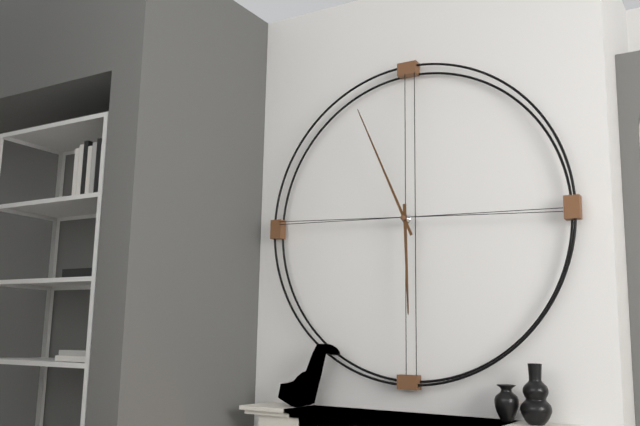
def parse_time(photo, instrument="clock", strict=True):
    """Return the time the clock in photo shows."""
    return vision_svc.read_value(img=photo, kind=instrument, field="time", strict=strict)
5:56
